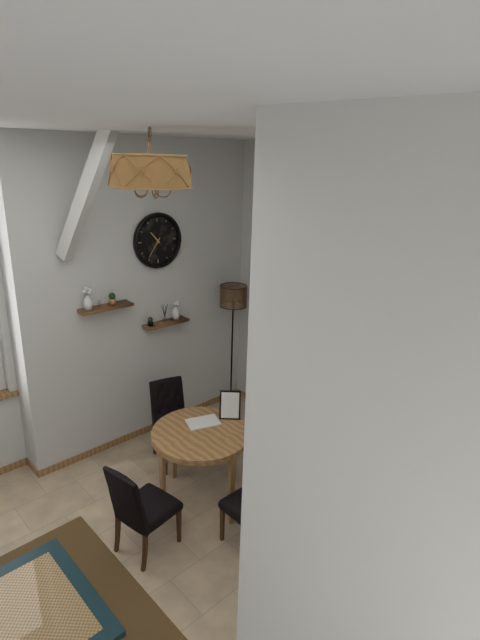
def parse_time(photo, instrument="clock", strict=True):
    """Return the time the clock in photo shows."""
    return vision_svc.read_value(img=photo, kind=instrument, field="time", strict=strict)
10:36
